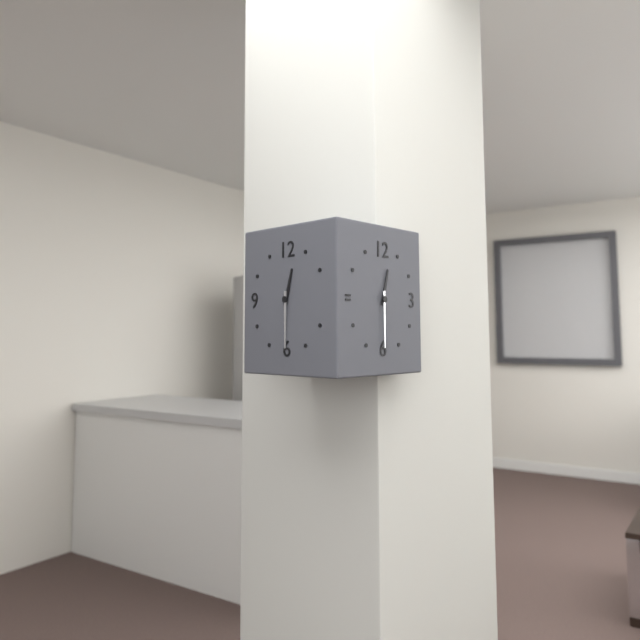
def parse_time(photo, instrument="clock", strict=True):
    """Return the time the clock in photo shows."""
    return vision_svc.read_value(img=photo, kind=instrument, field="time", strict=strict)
12:30
